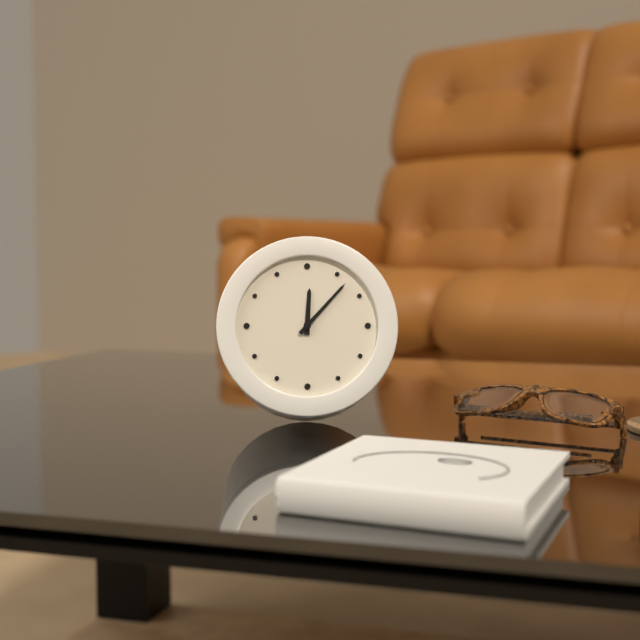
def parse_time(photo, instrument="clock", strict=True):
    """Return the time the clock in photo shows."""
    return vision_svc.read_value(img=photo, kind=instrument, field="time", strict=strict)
12:07
